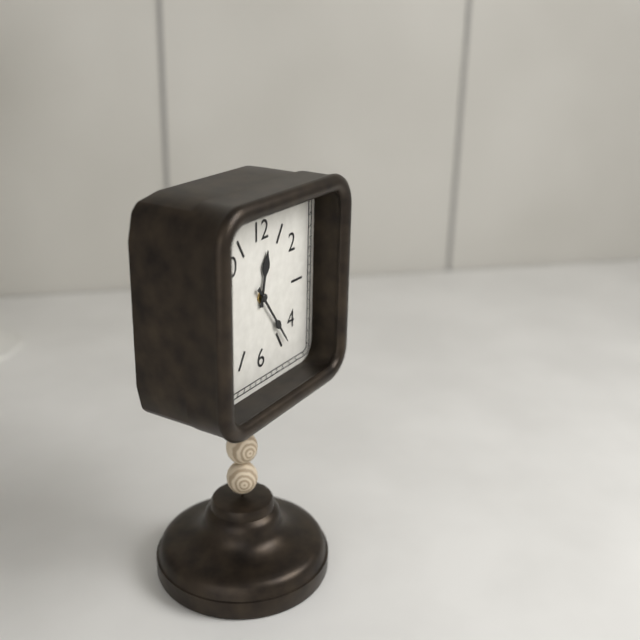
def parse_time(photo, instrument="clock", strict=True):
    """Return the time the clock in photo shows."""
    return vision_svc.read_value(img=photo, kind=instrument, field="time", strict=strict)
12:24
